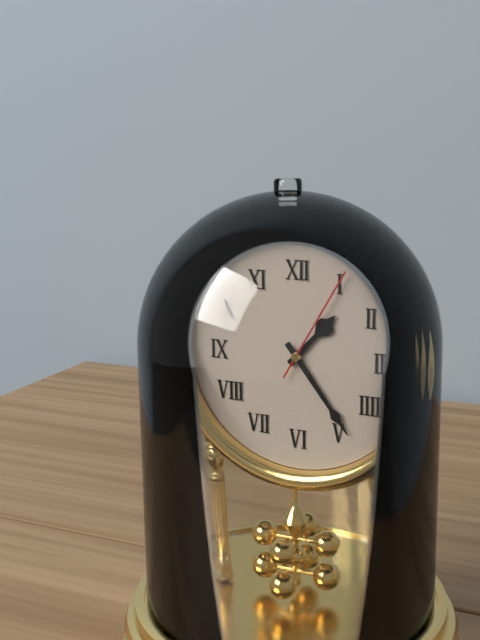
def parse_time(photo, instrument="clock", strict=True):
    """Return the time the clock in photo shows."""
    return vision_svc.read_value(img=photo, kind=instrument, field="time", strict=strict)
1:24:05
